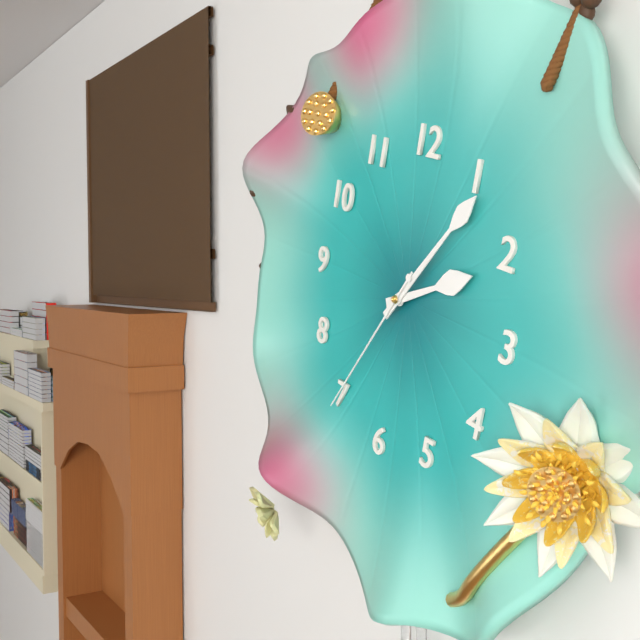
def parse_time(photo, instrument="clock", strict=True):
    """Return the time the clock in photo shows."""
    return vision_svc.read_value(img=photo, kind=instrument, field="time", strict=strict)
2:06:35
